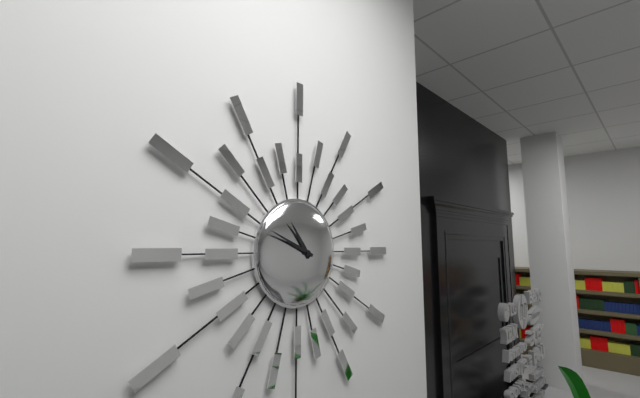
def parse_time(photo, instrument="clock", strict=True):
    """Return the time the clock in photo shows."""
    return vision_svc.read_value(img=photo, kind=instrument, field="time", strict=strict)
10:49
